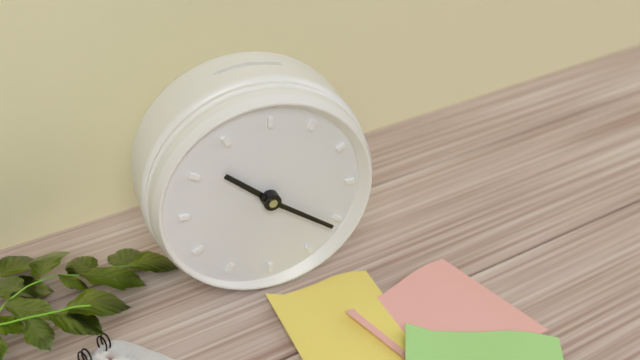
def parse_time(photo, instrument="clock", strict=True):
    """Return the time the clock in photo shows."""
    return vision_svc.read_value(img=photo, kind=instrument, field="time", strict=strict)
10:21
